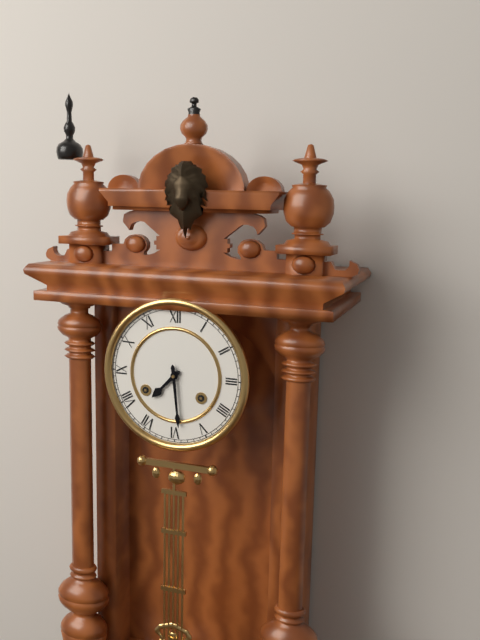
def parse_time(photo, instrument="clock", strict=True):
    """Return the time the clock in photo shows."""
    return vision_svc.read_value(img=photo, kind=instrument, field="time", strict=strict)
7:29
